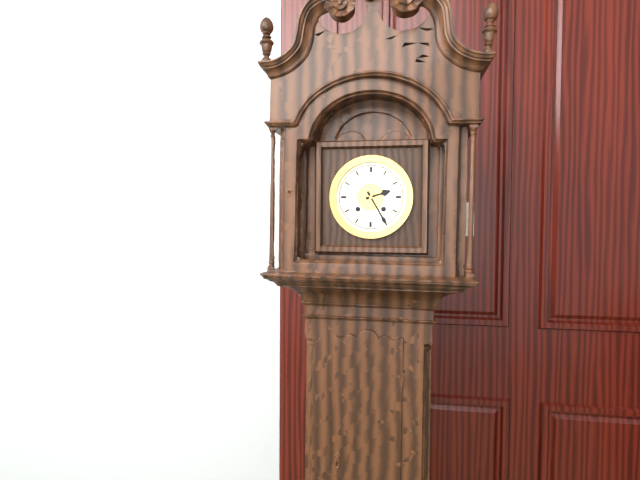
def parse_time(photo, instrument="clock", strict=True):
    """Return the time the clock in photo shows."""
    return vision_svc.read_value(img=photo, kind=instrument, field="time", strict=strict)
2:25
